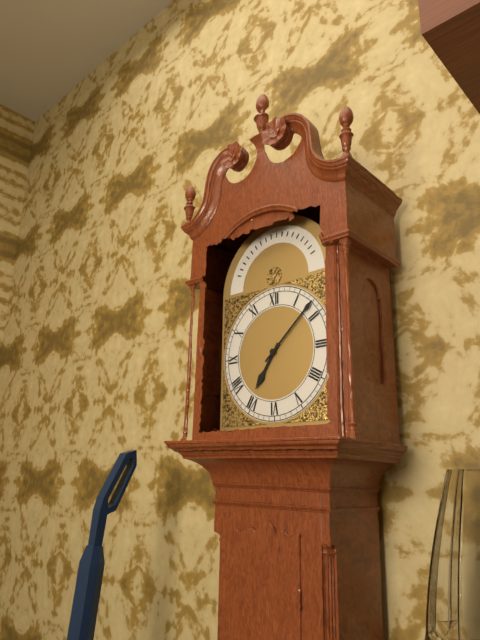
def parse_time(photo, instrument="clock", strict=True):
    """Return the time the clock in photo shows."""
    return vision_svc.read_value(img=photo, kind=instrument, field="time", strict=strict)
7:08
